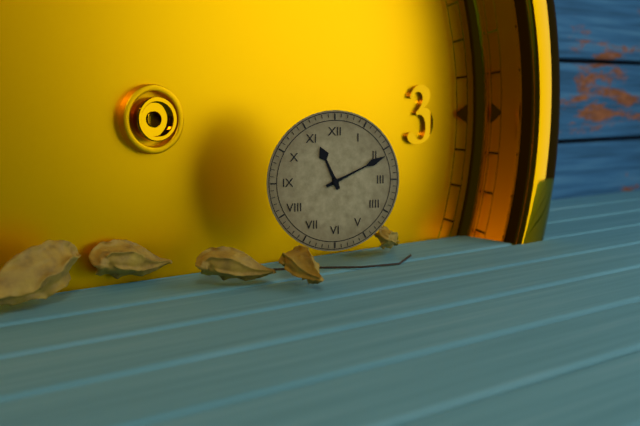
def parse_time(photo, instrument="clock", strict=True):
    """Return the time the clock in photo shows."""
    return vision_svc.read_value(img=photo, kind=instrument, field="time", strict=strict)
11:11
